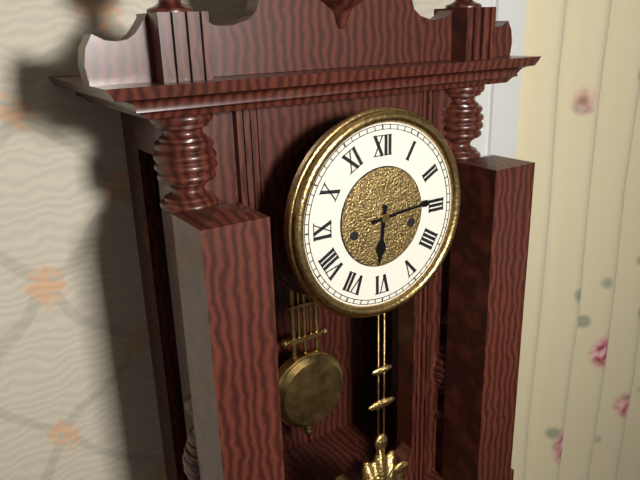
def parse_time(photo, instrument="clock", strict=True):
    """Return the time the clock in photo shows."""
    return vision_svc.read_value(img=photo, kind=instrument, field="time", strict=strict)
6:14
